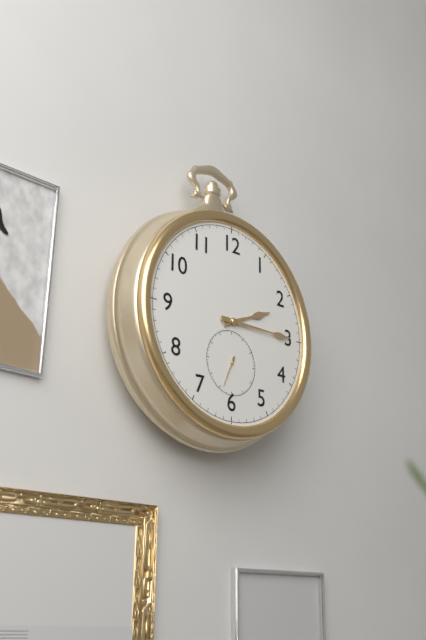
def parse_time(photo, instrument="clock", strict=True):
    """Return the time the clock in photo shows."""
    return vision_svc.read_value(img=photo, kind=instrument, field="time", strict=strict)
2:15
